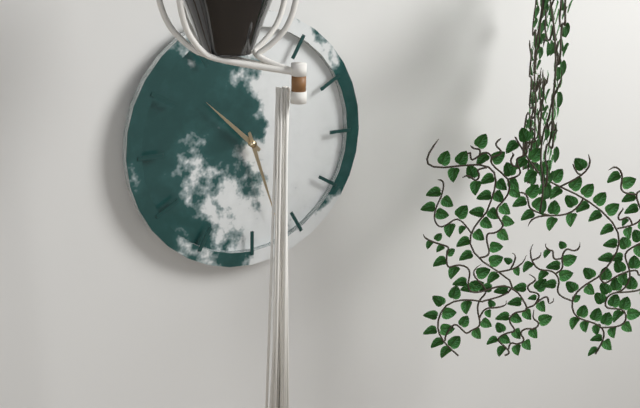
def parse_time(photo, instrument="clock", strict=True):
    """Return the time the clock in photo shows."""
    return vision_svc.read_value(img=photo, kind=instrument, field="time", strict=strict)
10:27
